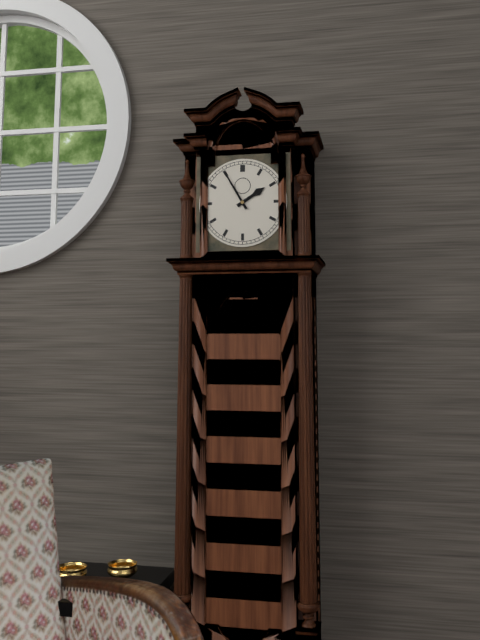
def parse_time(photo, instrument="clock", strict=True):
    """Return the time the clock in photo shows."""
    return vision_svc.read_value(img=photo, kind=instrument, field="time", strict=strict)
1:55
